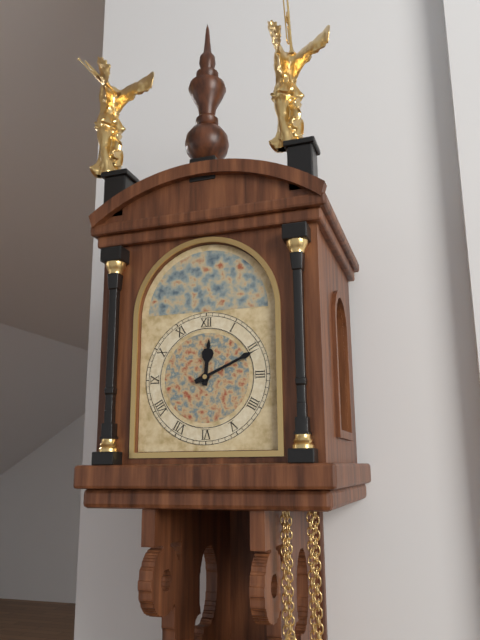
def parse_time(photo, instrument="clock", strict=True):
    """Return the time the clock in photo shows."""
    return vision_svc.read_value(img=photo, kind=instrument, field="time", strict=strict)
12:11
